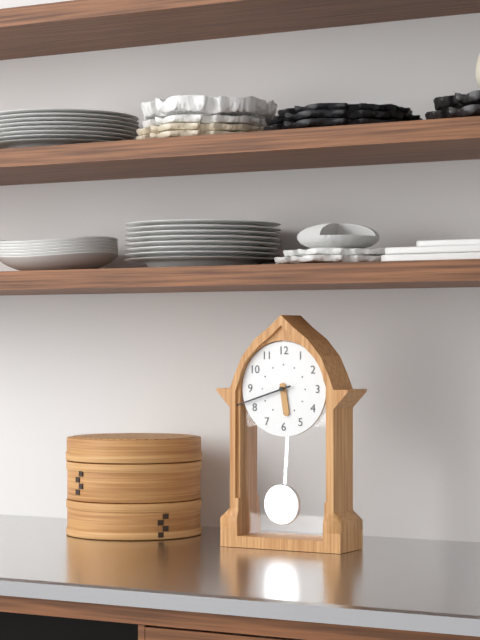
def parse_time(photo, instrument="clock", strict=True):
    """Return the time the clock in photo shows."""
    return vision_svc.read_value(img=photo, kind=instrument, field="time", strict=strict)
5:42
